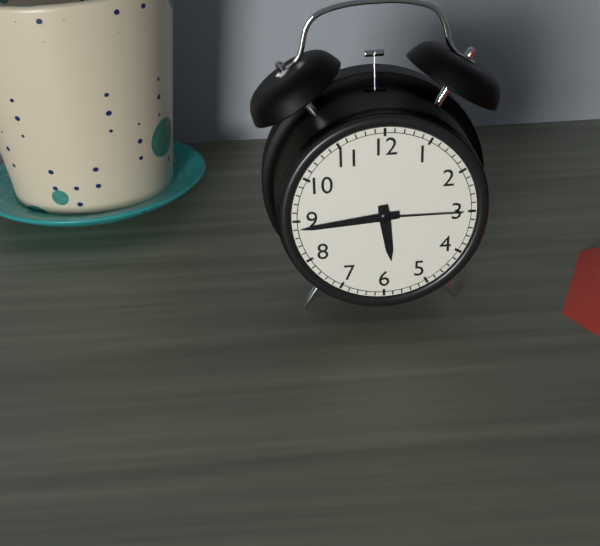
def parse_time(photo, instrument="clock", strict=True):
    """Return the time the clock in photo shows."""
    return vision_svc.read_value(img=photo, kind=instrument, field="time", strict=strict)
5:44:15
